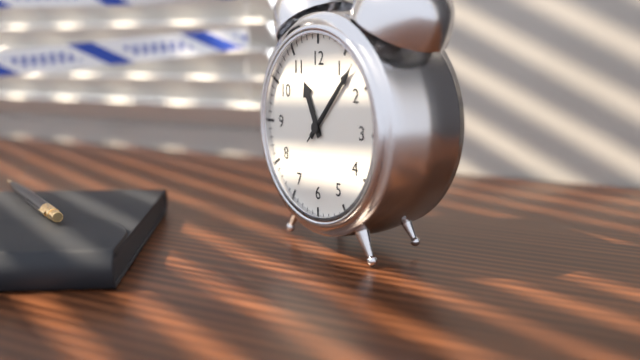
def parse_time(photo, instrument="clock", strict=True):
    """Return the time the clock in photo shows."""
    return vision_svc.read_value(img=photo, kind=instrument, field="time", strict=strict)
11:07:07
